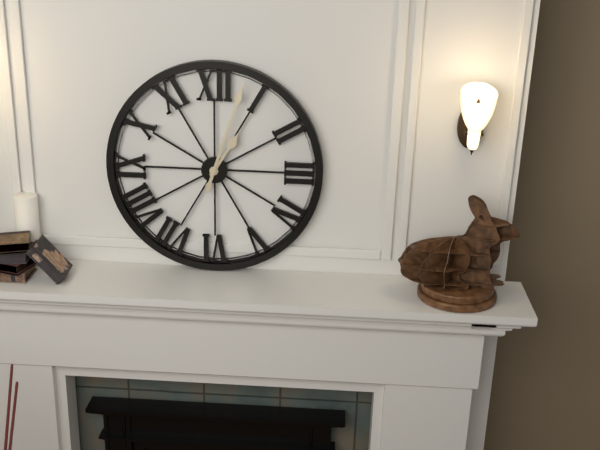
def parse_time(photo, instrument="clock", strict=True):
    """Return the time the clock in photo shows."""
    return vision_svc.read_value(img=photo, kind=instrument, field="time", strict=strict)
1:03
